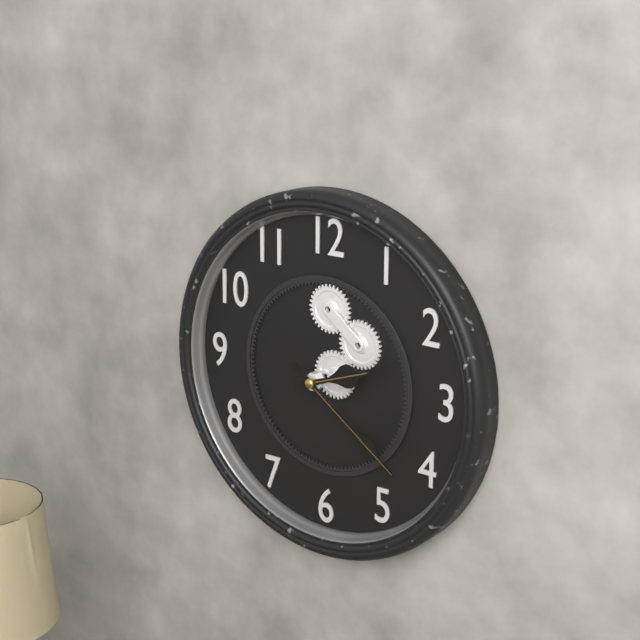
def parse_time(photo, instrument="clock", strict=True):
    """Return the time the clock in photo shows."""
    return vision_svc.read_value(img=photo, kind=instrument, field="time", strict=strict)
2:21
